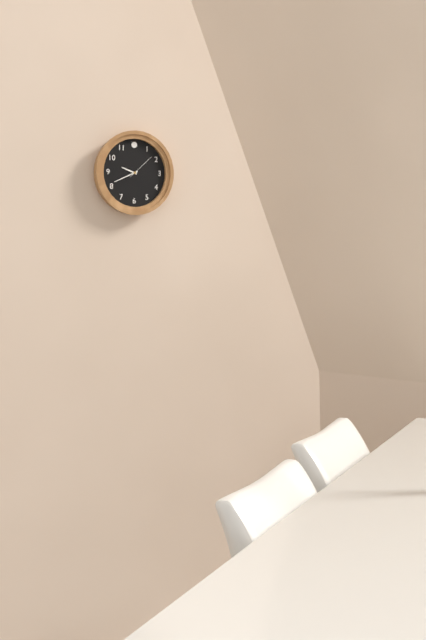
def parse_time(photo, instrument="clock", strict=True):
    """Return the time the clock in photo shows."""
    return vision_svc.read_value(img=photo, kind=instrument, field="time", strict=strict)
9:41
